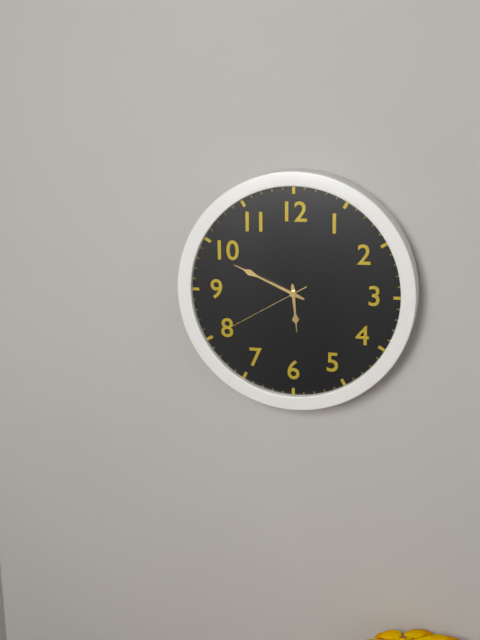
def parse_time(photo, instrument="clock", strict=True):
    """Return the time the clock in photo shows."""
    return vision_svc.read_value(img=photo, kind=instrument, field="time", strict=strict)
5:49:40
